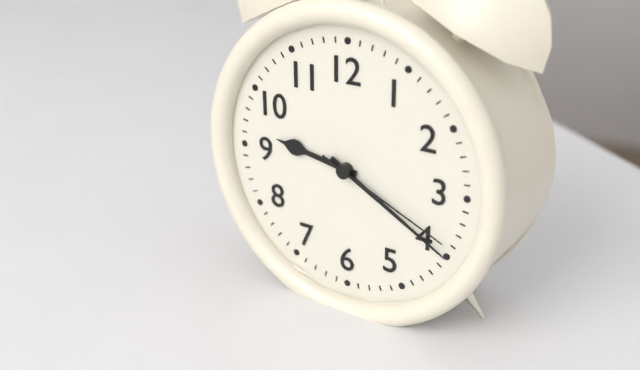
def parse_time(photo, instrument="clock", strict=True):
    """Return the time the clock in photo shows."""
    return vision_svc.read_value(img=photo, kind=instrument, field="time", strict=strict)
9:20:19
